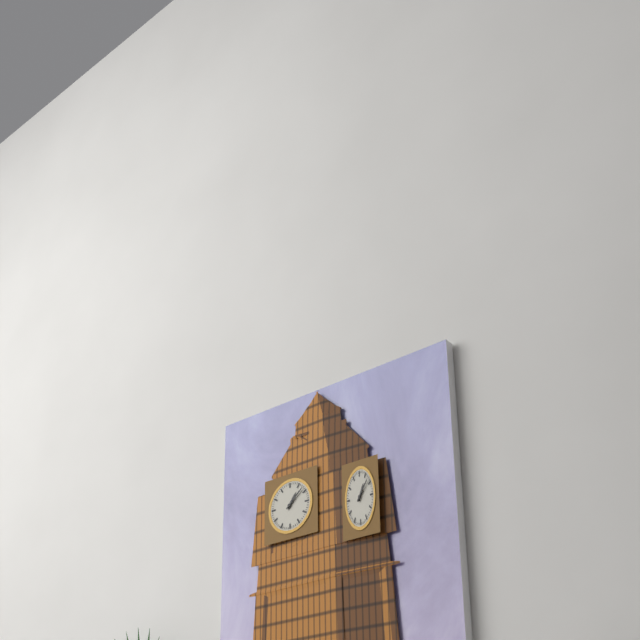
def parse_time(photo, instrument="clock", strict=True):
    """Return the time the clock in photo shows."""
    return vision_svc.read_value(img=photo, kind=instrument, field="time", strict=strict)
1:08
